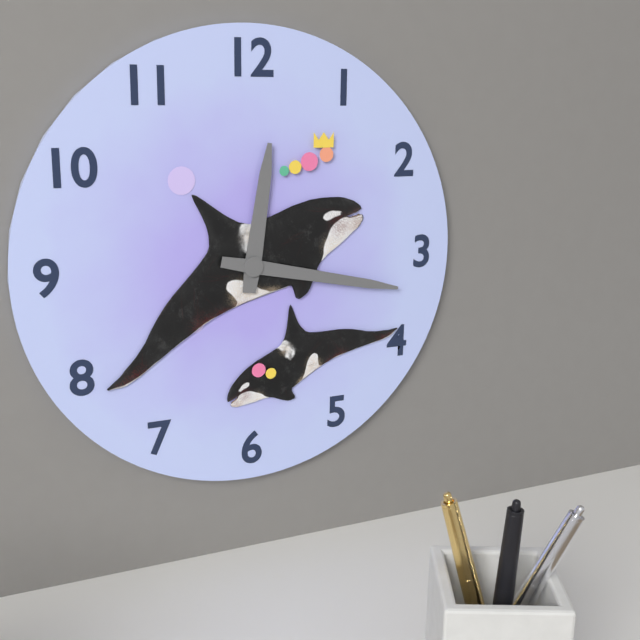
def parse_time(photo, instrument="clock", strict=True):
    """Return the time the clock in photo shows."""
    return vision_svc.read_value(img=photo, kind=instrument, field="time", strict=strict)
12:17
